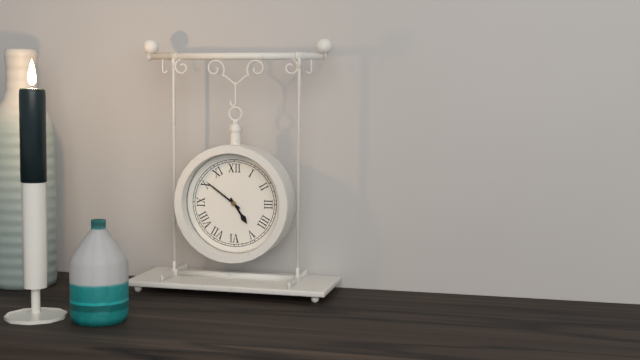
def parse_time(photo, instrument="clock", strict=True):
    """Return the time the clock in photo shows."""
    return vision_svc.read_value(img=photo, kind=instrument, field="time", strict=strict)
4:51
